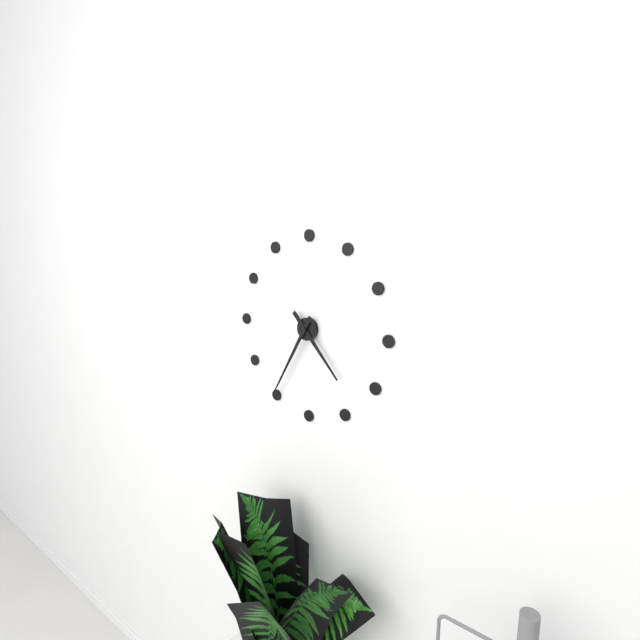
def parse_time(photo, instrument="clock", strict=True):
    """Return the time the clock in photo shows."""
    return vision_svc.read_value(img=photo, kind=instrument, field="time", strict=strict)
4:35
